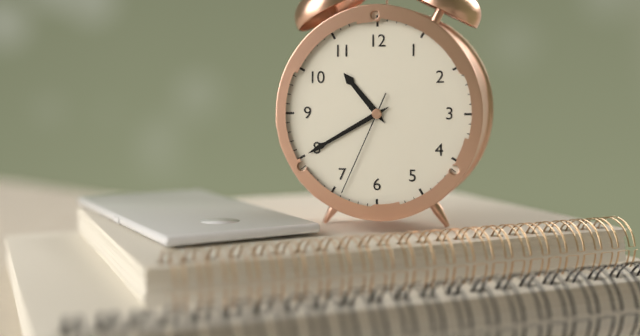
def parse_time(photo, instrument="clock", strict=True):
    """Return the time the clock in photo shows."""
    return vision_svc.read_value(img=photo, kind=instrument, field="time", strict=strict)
10:40:34
